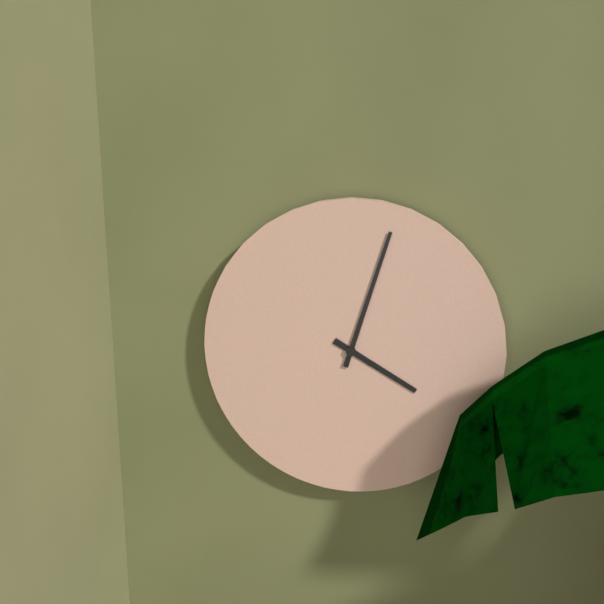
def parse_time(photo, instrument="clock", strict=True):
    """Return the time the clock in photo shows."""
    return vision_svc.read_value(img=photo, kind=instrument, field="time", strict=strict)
4:03
